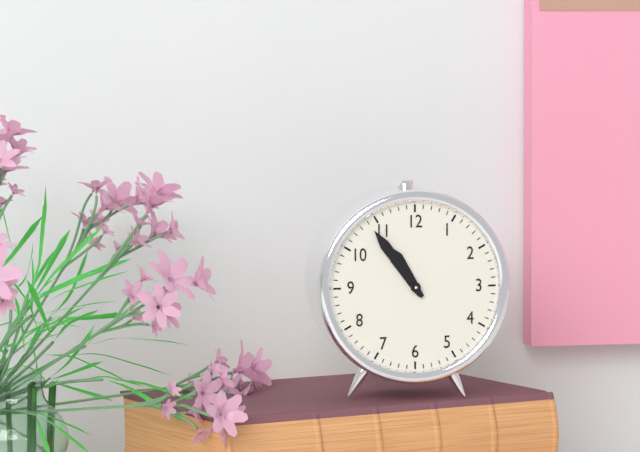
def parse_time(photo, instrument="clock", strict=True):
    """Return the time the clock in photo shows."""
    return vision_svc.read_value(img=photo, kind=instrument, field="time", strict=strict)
10:54
